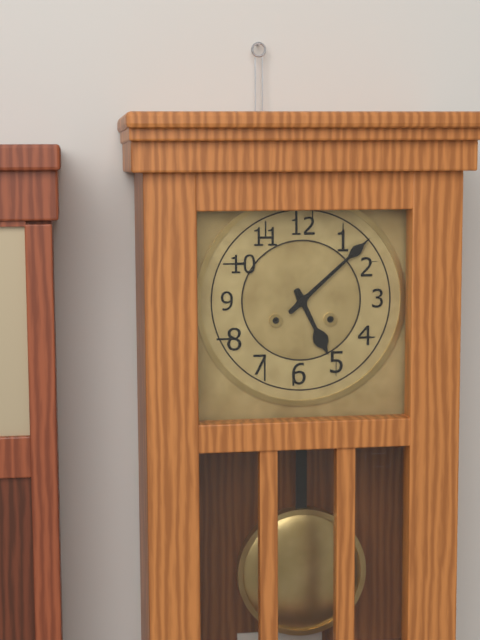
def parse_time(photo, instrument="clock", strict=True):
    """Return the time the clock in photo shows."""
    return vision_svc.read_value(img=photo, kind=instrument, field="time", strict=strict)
5:08
